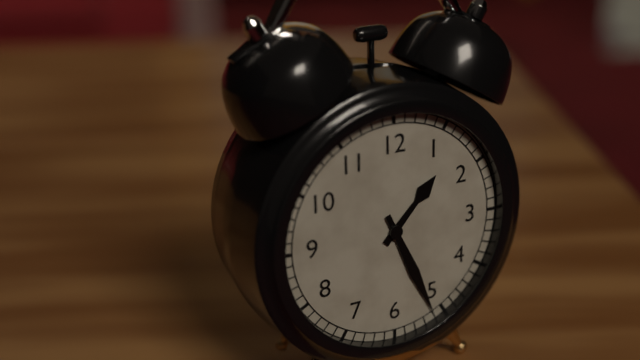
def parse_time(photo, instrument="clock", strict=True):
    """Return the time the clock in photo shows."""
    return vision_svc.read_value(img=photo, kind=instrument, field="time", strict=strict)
1:26
